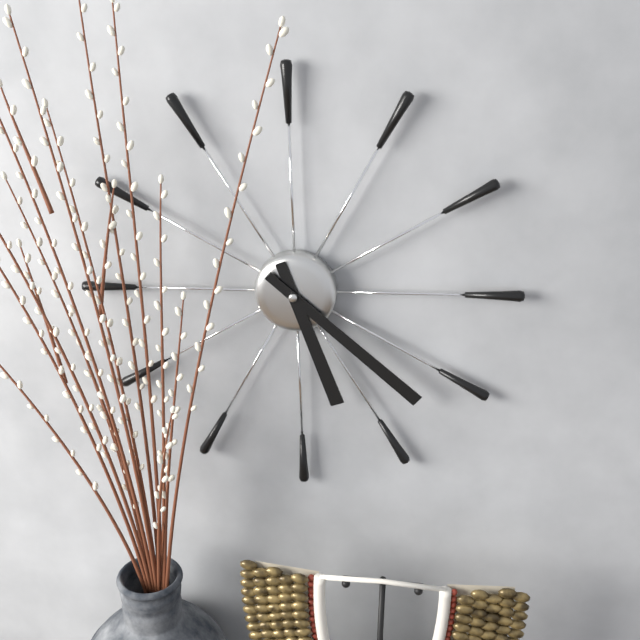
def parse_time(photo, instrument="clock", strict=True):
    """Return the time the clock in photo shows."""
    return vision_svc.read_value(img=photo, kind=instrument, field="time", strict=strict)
5:22
